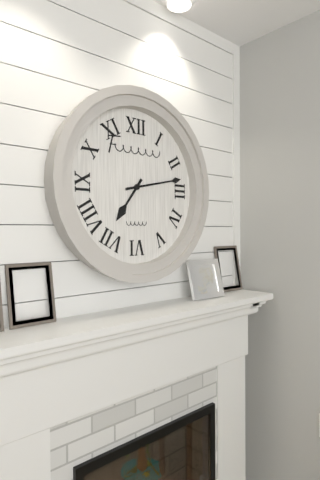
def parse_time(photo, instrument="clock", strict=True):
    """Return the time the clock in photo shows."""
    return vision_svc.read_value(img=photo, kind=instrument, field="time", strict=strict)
7:13
